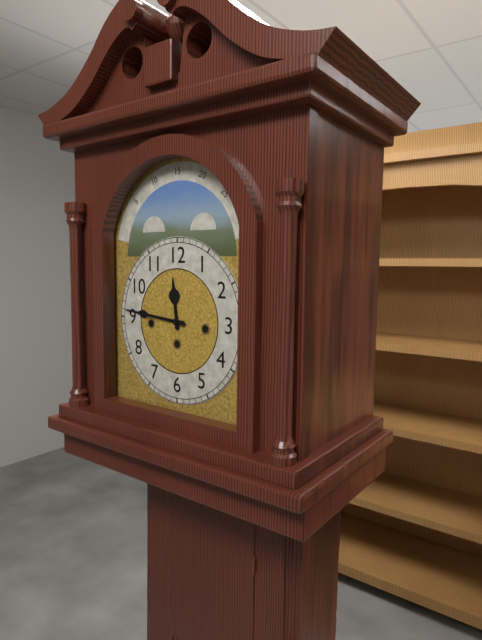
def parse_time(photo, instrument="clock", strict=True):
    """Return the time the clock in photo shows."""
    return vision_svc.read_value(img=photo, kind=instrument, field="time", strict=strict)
11:46
